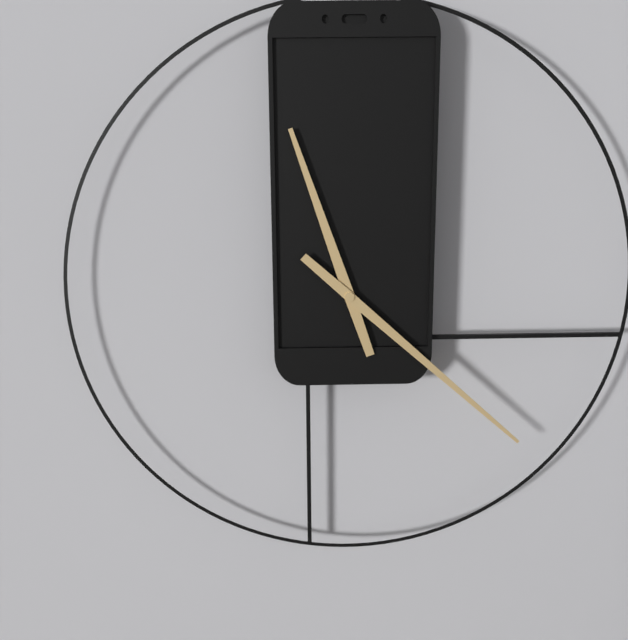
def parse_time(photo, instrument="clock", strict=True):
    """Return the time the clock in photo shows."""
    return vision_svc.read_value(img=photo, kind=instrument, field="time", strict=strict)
11:22
